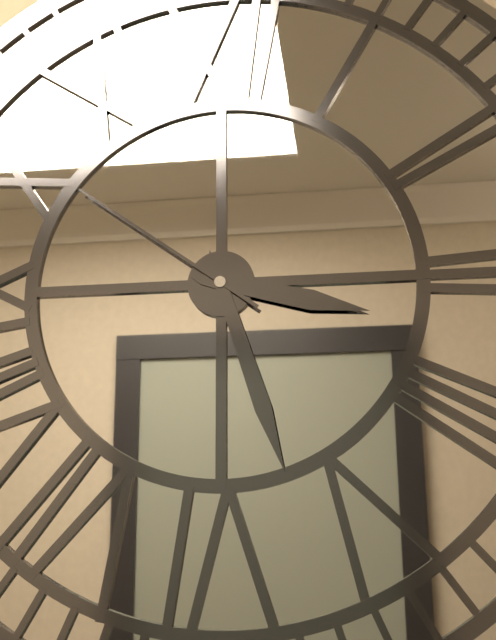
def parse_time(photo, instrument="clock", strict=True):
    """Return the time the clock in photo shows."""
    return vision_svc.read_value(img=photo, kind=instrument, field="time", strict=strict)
3:27:51
